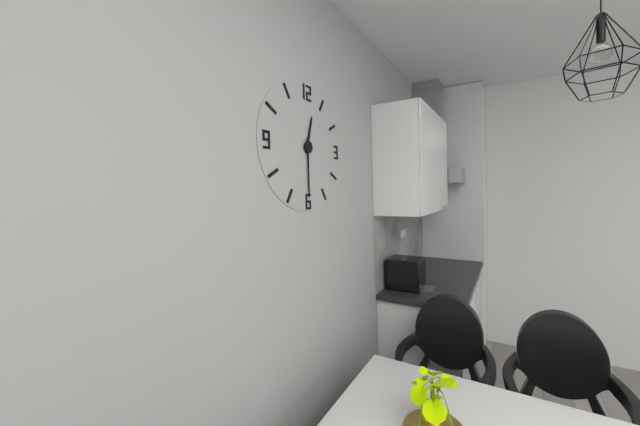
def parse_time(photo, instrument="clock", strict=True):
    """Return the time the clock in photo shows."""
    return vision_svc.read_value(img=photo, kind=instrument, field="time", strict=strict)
12:30
